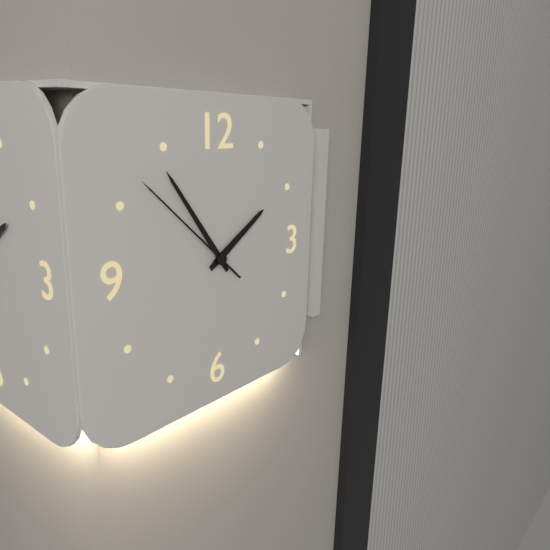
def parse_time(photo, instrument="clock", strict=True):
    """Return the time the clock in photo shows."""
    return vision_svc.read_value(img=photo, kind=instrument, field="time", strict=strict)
1:54:52
